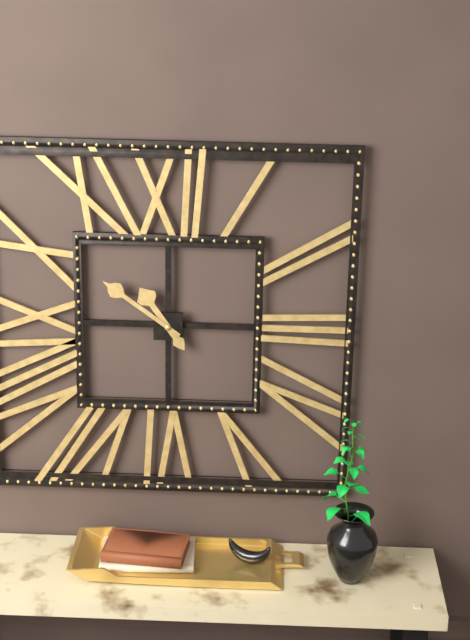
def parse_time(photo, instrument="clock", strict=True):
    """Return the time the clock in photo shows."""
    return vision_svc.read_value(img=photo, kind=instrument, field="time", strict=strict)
10:51
